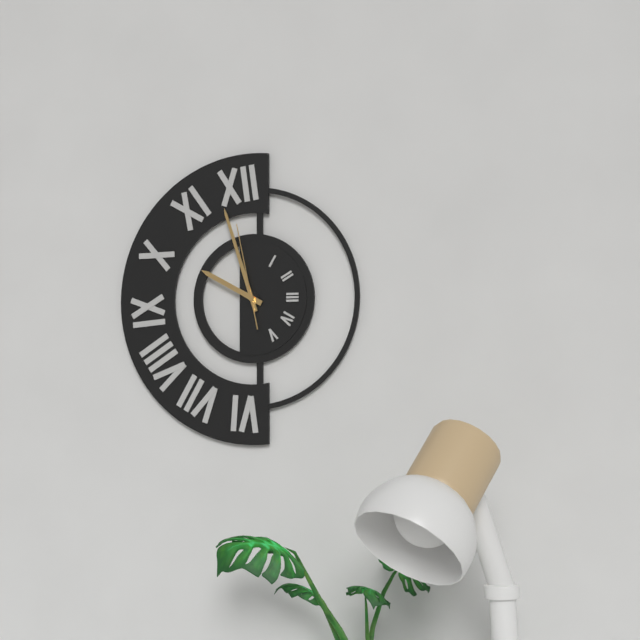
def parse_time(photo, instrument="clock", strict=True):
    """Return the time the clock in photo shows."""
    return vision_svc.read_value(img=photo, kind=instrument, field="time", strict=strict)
9:57:58
